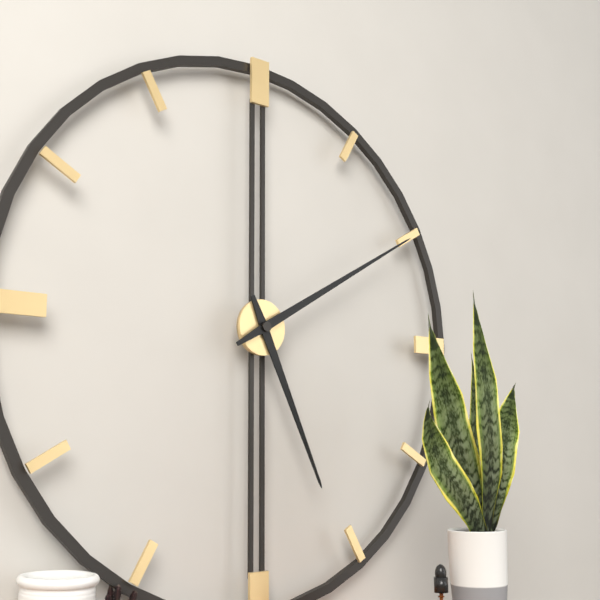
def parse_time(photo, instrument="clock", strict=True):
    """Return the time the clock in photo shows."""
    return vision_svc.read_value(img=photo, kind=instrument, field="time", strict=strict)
5:10
